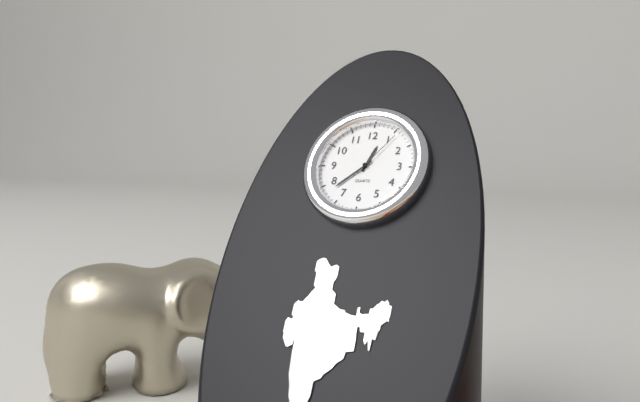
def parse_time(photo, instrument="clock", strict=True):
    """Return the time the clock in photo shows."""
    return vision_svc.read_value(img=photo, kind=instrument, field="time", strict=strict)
12:38:06
